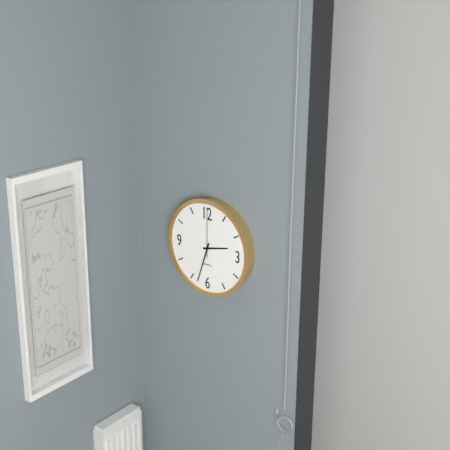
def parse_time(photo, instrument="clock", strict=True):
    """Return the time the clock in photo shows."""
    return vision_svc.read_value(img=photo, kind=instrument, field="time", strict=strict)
2:33:00
